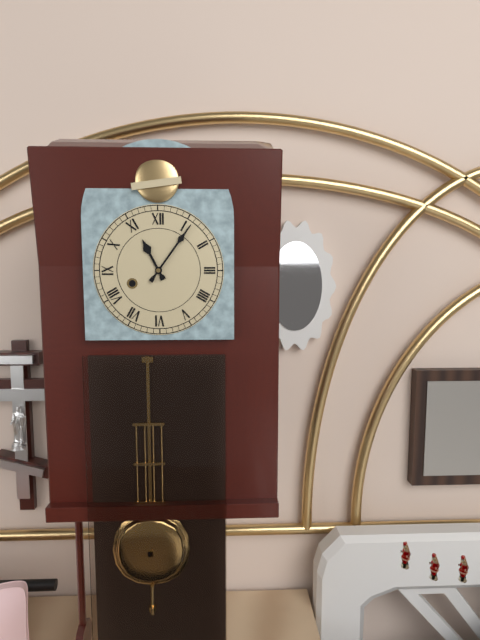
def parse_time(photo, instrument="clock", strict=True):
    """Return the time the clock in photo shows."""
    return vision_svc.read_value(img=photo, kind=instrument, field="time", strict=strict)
11:06
